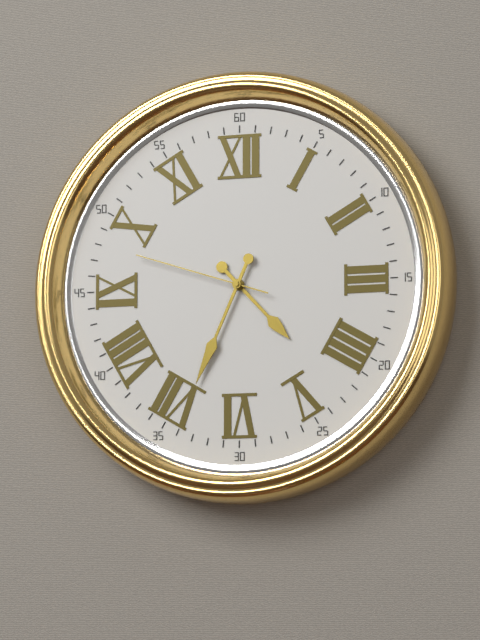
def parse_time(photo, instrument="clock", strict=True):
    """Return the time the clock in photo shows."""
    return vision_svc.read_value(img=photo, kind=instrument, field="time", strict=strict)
4:34:48
